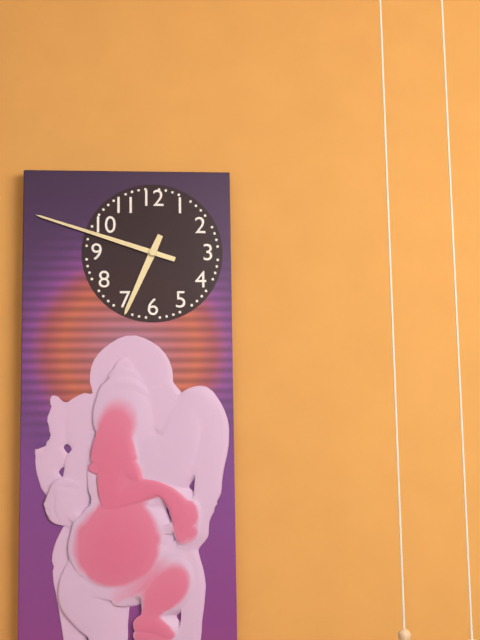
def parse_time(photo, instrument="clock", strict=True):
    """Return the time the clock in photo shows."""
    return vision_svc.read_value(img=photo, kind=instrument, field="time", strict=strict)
6:48
